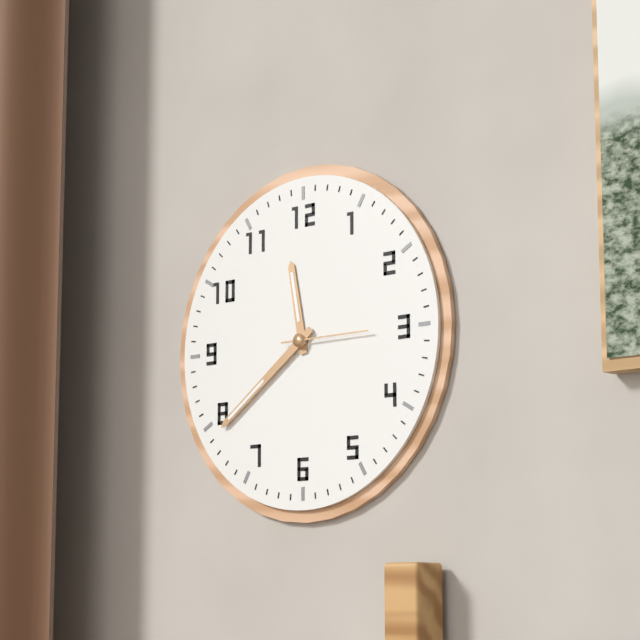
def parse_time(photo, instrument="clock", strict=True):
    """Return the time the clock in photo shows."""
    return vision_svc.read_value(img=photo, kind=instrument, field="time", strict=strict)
11:39:15
